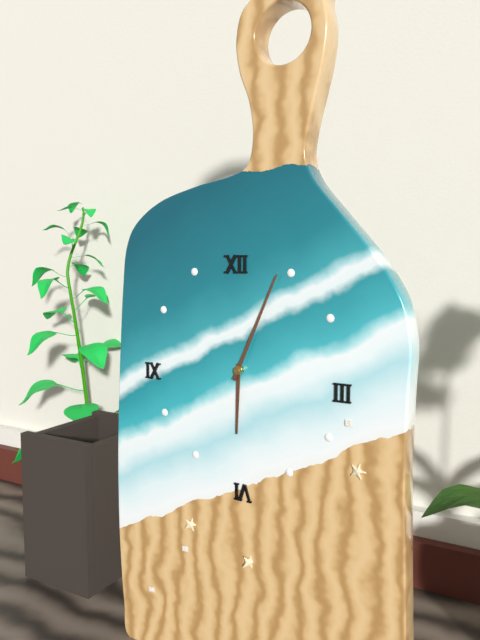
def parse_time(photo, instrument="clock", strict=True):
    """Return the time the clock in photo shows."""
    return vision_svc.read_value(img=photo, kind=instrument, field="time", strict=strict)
6:04
